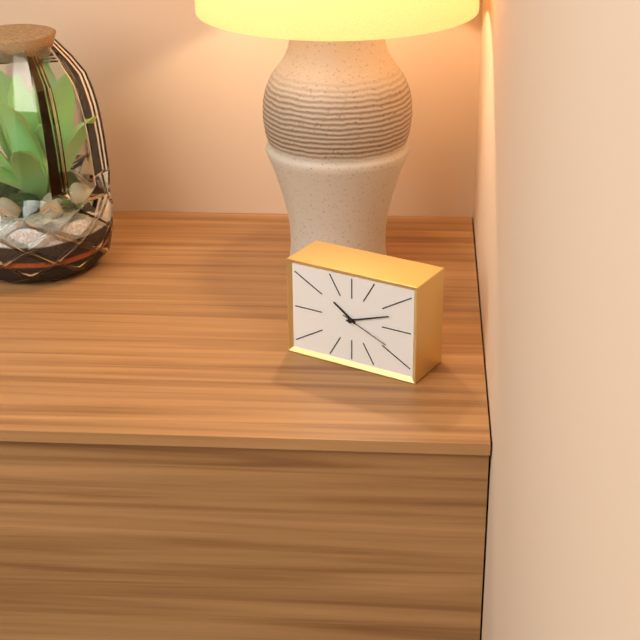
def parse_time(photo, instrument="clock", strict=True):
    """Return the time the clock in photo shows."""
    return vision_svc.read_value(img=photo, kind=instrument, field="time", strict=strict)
10:12:19
